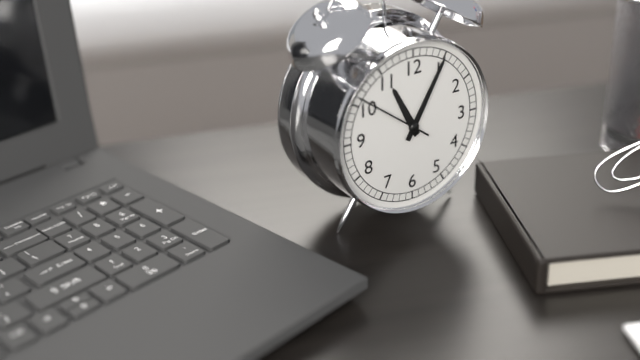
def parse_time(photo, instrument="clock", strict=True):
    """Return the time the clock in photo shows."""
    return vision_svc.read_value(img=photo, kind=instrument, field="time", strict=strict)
11:05:51
